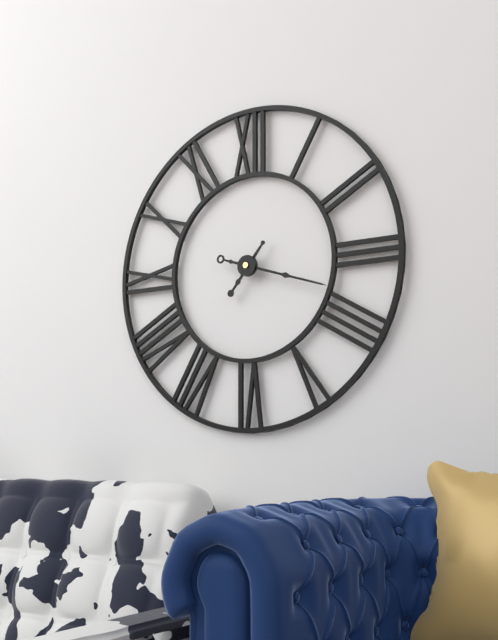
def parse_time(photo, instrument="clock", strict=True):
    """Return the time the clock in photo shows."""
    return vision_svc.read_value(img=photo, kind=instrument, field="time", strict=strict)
7:18
